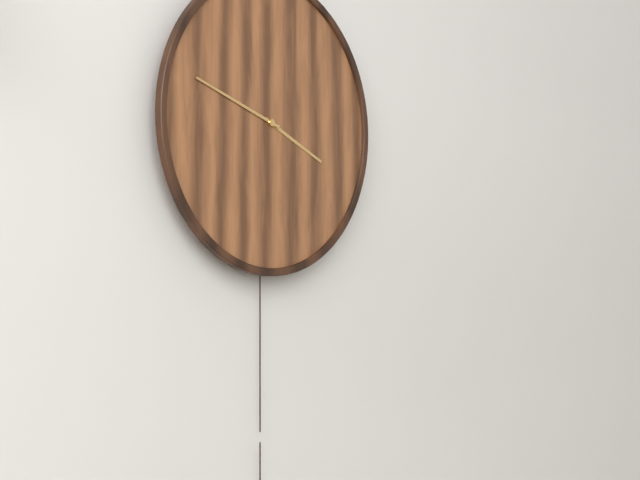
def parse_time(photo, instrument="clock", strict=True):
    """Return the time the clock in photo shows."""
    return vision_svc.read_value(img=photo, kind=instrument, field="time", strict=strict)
3:48
